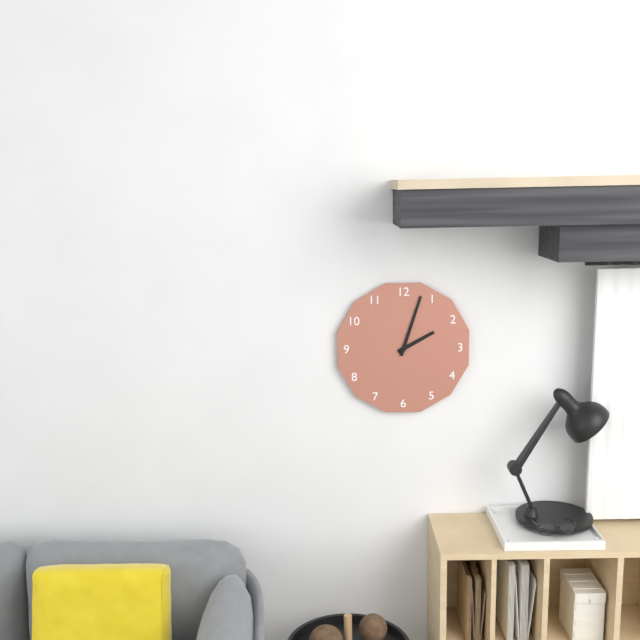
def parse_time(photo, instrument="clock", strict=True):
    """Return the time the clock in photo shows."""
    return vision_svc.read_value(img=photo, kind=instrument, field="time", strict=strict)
2:03
